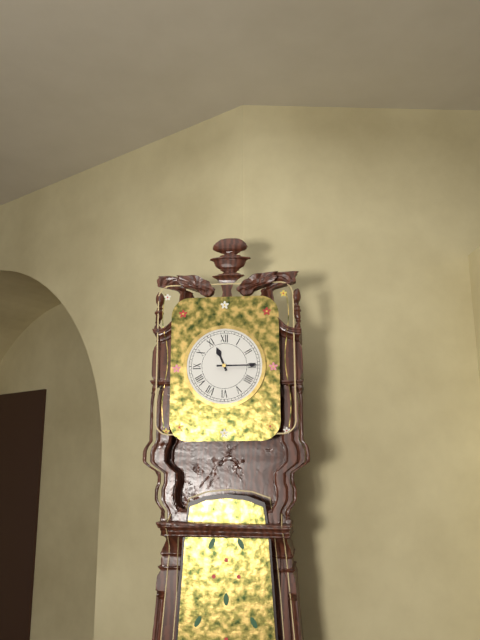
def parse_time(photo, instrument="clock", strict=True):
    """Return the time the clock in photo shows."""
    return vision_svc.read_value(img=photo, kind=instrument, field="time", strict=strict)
11:15
